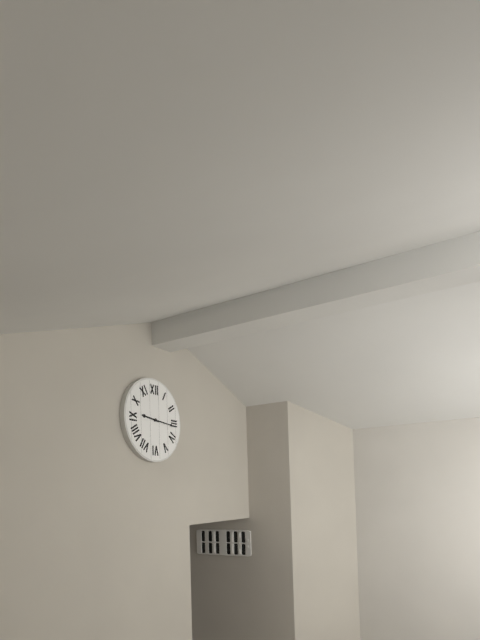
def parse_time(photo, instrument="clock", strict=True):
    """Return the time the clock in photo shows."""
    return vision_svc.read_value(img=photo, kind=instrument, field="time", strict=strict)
9:16
